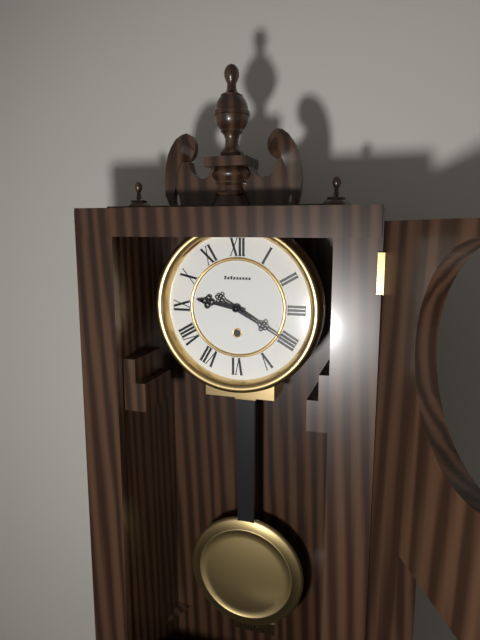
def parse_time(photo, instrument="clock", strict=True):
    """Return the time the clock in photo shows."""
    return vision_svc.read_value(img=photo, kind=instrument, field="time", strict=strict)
9:20
